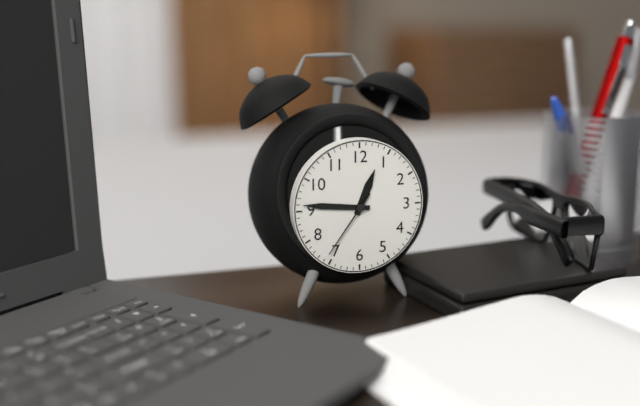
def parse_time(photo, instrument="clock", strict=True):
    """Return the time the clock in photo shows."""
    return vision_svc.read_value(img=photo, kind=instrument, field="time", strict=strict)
12:46:36
